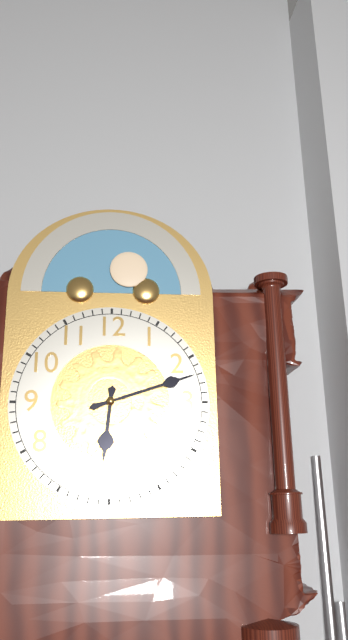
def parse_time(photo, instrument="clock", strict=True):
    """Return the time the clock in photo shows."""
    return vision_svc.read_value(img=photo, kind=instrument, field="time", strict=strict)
6:12
